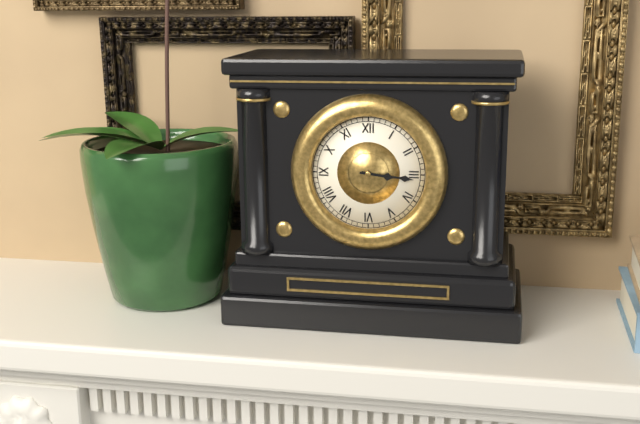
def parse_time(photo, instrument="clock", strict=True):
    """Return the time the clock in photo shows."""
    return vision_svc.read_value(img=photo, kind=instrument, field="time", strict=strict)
3:16
